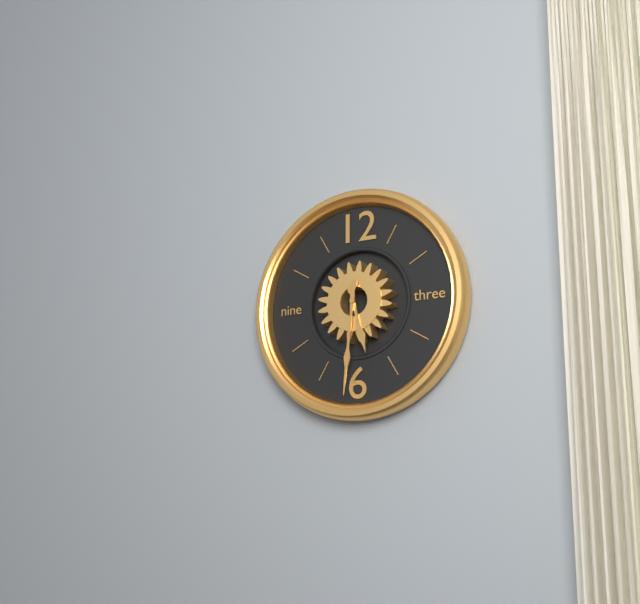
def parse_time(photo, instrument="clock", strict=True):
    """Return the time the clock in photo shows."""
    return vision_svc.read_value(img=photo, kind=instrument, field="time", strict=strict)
5:31
